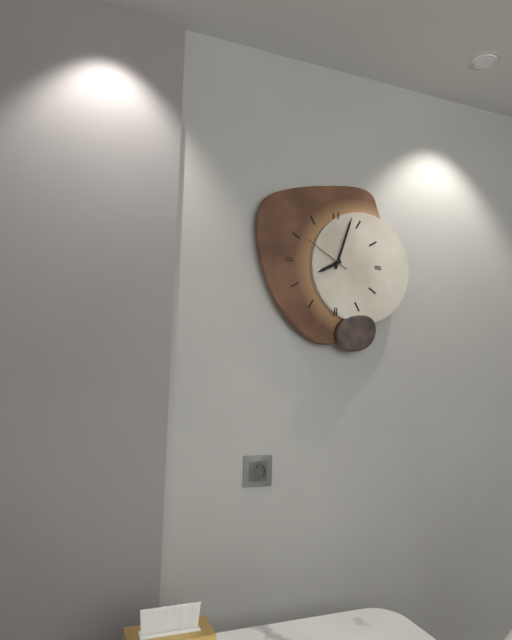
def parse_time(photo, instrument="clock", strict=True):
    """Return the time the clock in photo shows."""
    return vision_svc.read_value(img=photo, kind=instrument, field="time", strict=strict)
8:03
